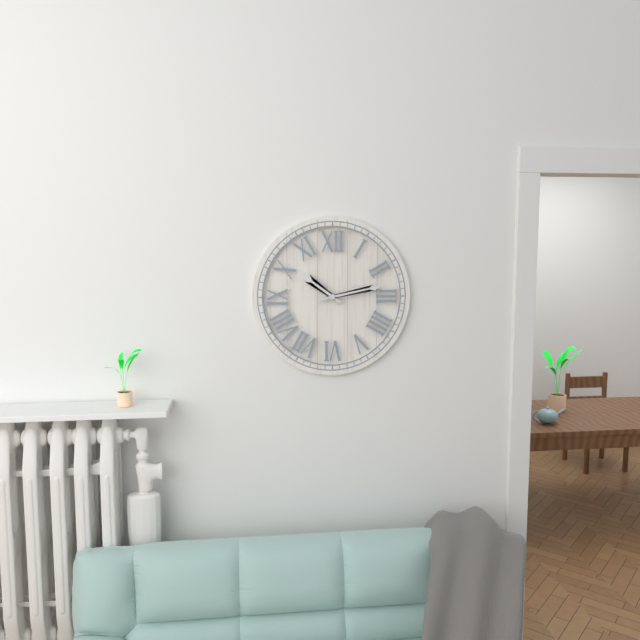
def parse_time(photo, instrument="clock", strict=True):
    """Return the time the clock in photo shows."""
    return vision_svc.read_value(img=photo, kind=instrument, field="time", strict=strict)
10:13
